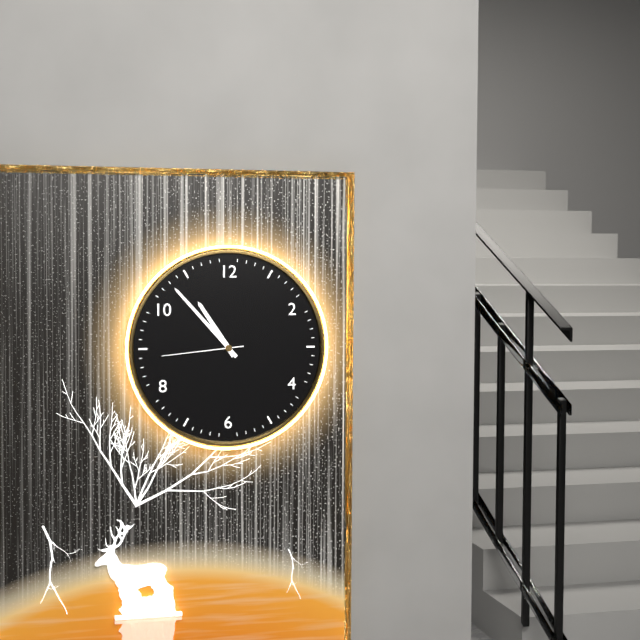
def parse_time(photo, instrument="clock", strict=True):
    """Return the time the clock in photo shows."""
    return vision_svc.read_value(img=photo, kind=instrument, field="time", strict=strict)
10:53:44
